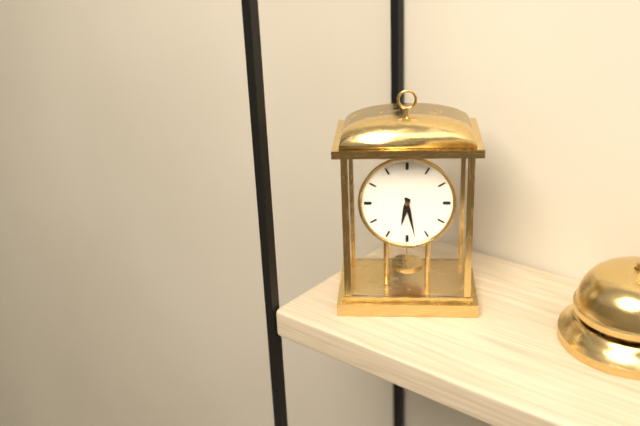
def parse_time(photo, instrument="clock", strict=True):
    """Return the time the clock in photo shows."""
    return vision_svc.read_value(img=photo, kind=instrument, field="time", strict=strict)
6:28
